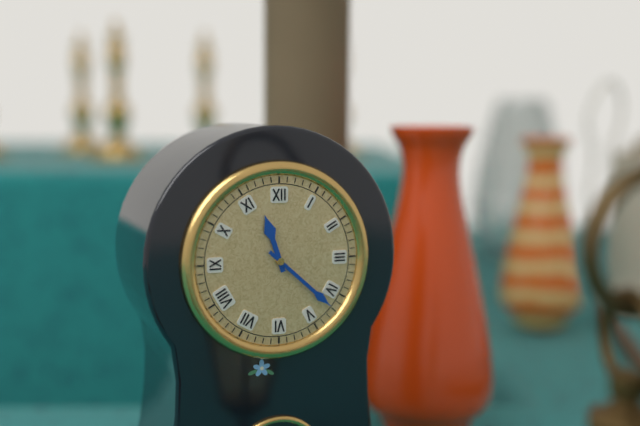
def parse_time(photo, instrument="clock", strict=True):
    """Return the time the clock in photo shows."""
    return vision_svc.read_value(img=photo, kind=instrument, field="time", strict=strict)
11:22
